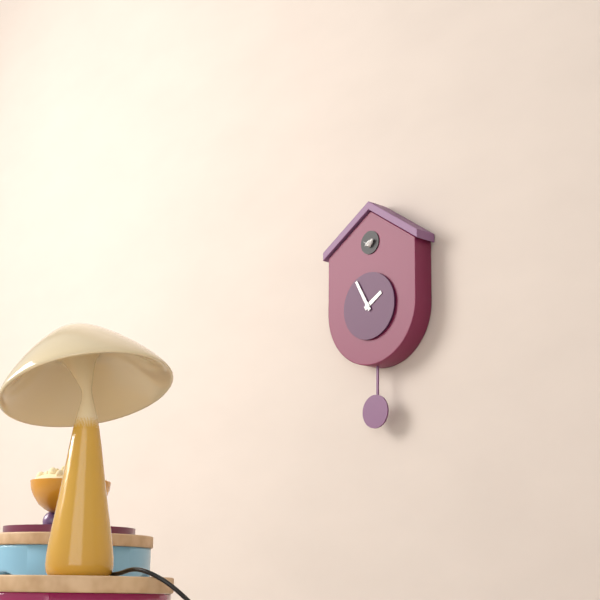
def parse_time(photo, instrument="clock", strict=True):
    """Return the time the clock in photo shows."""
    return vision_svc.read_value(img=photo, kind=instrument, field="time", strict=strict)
1:55
